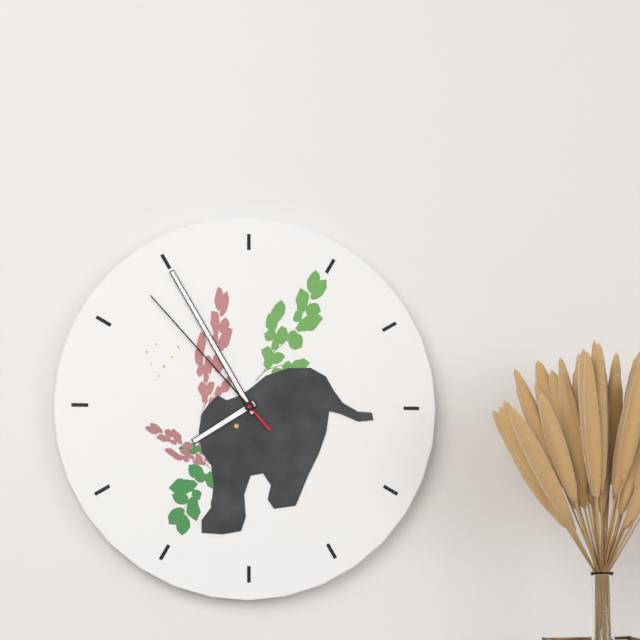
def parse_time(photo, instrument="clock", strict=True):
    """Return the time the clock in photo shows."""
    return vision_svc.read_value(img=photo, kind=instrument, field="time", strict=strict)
7:55:53
